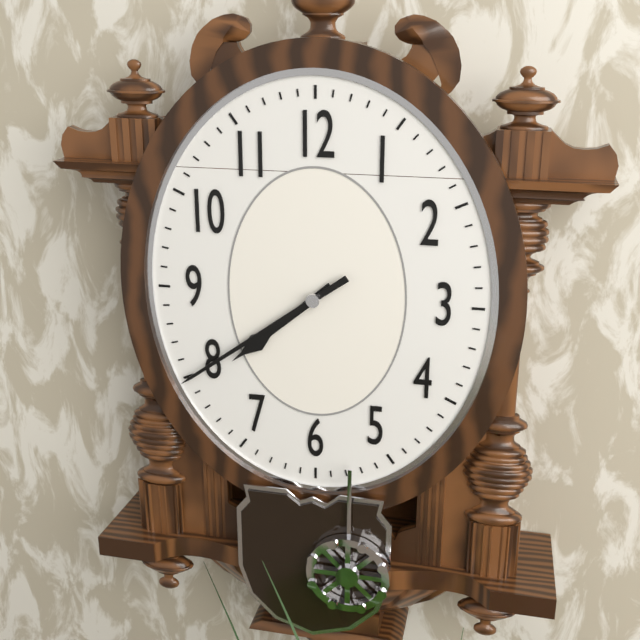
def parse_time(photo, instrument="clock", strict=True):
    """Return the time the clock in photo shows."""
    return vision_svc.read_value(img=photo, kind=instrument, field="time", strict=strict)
7:39
